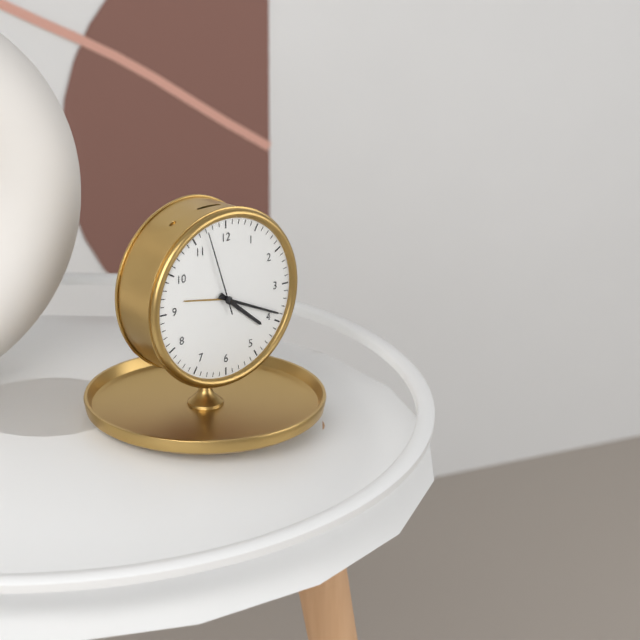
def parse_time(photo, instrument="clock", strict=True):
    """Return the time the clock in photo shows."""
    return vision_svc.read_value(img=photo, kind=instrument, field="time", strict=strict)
4:19:57
